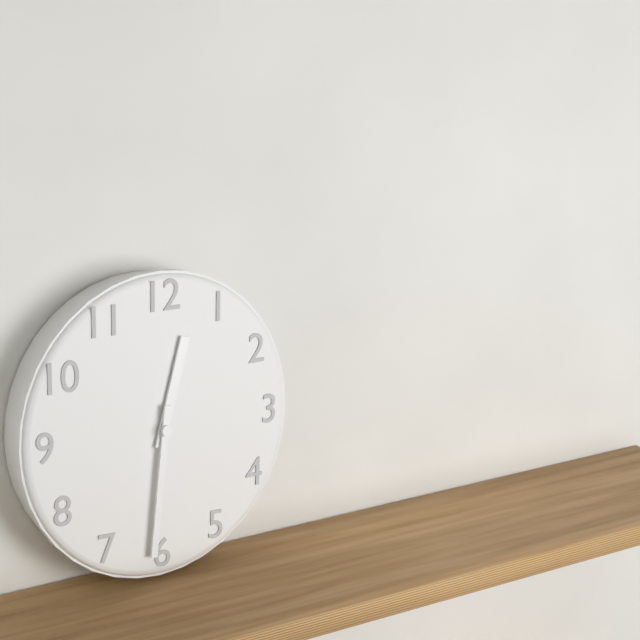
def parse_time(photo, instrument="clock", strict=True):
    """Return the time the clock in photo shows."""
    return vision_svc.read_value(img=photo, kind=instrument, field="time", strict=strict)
12:31
